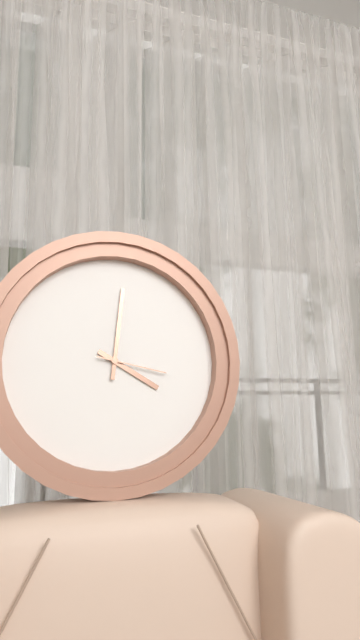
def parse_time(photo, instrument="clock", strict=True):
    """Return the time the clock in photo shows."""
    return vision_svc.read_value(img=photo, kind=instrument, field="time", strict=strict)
4:01:17
